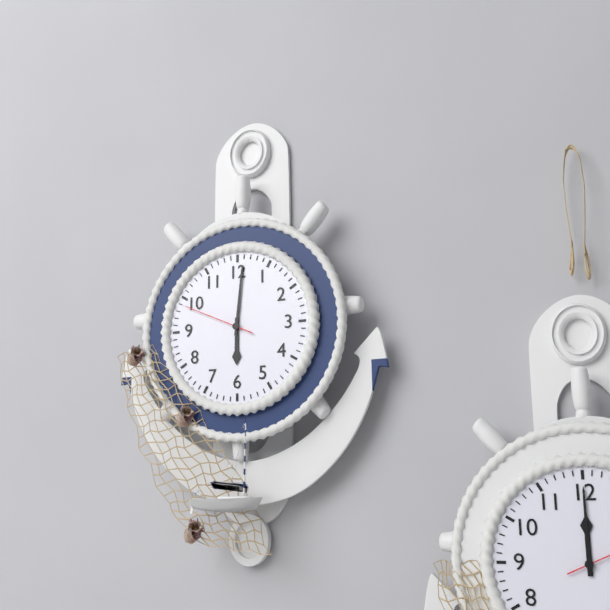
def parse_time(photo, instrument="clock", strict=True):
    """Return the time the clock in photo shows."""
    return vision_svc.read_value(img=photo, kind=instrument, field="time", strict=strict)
6:01:49
